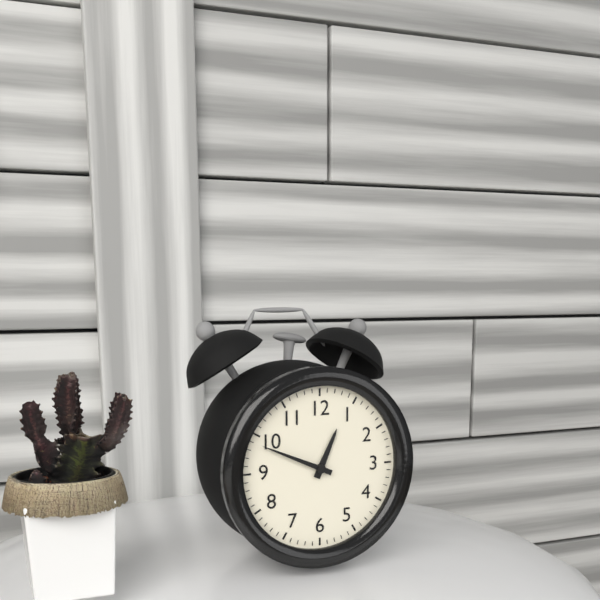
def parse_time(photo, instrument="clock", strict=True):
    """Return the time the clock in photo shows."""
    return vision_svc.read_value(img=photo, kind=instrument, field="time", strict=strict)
12:49
